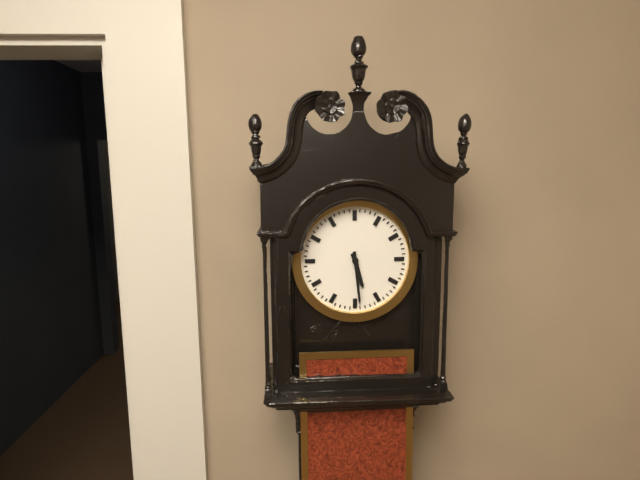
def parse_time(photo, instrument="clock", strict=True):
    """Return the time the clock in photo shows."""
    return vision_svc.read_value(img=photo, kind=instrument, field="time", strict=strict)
5:29
